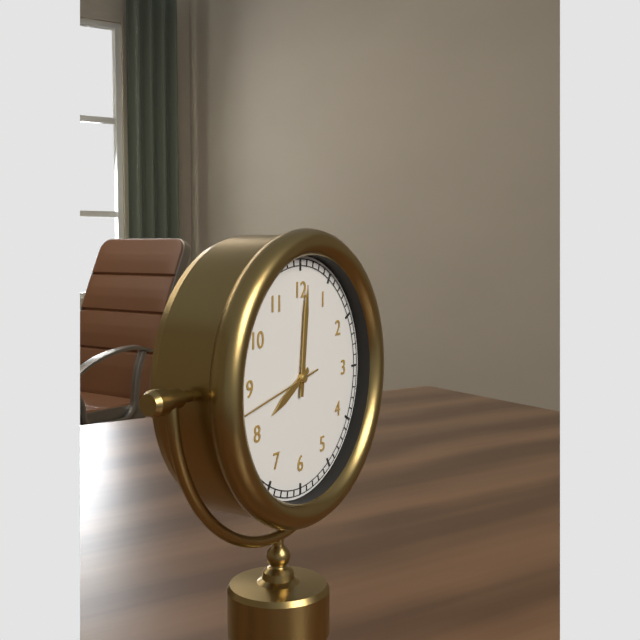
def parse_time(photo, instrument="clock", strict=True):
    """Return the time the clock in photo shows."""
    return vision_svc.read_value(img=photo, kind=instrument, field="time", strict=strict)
8:01:43
